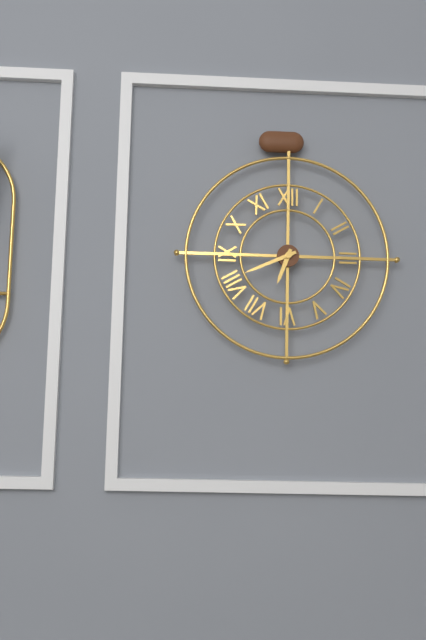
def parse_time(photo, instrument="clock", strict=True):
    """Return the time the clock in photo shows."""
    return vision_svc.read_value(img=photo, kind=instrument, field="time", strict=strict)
6:41
